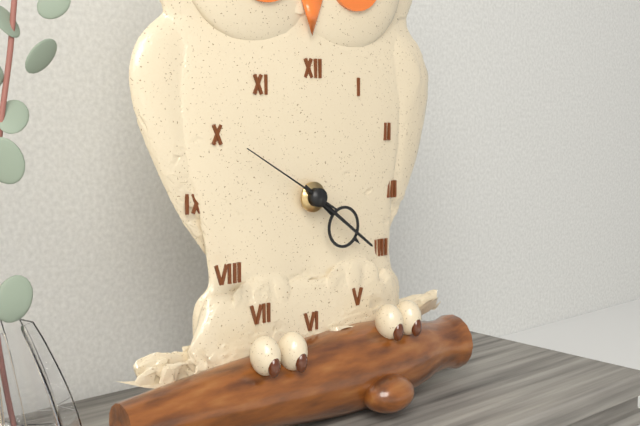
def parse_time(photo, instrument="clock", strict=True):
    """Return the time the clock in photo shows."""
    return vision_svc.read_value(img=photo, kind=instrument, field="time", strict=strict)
4:21:50
